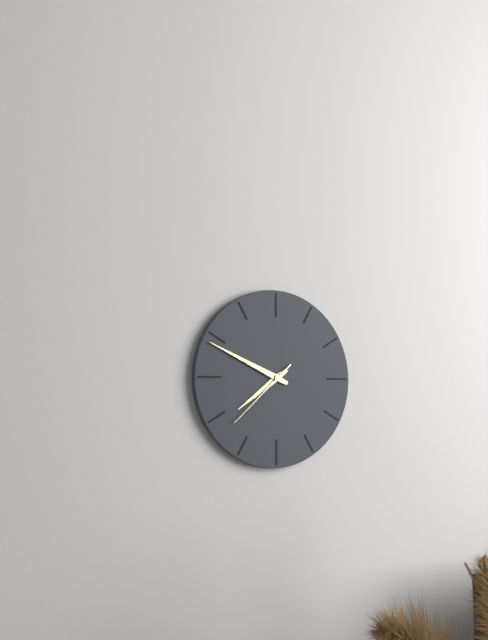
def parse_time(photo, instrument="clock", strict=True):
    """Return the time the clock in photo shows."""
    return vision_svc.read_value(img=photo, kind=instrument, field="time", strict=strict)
7:49:38
